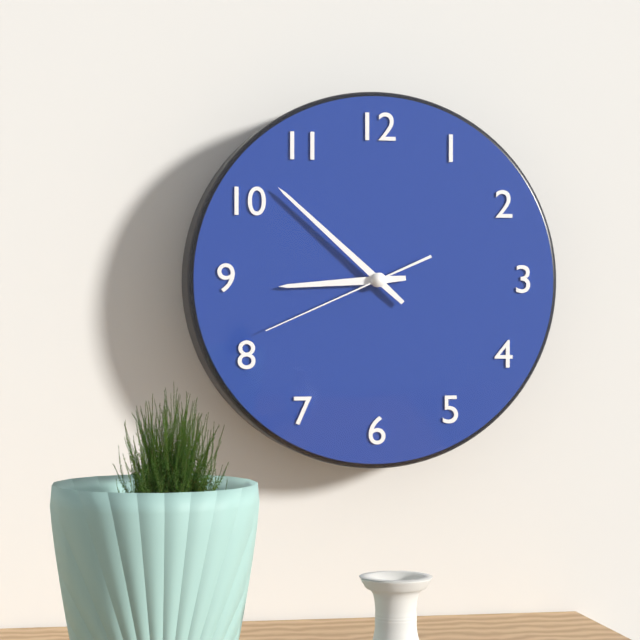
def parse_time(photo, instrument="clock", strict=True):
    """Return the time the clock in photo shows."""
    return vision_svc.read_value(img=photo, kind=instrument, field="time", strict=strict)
8:52:41
